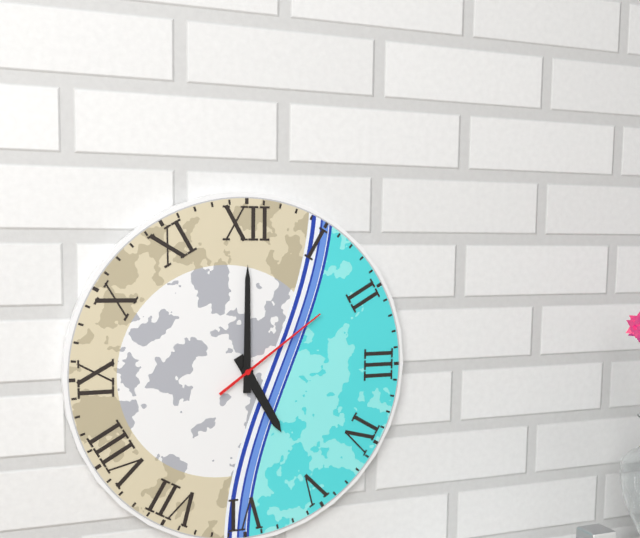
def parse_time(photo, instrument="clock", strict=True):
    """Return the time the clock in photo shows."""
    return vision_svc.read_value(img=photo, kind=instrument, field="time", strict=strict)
5:00:09
